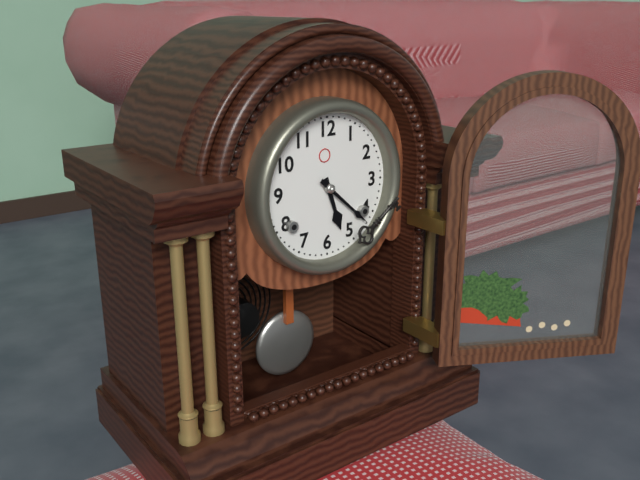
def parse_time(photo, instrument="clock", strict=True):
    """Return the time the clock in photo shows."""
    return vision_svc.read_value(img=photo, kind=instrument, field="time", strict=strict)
5:22
